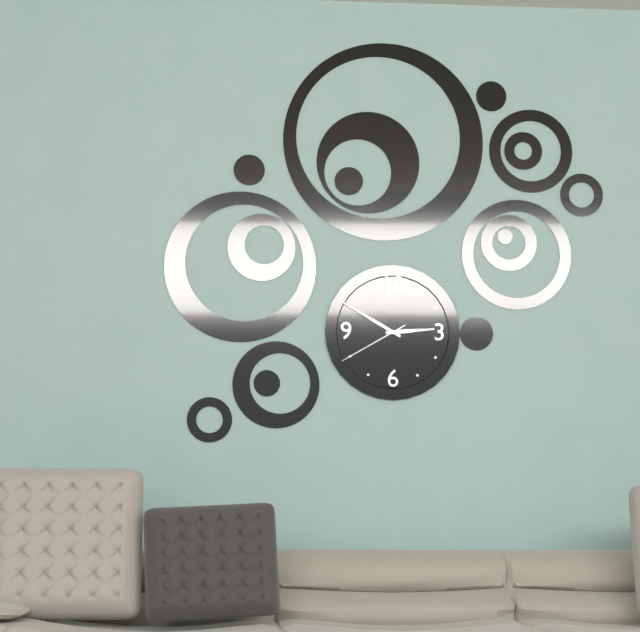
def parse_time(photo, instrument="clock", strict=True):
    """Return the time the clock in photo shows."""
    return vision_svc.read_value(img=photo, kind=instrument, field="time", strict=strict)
2:50:40
